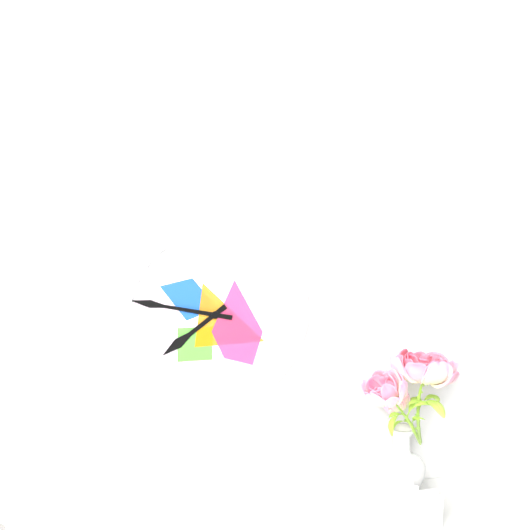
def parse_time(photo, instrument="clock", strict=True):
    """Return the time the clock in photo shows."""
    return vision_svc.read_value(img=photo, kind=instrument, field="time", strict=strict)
7:47
